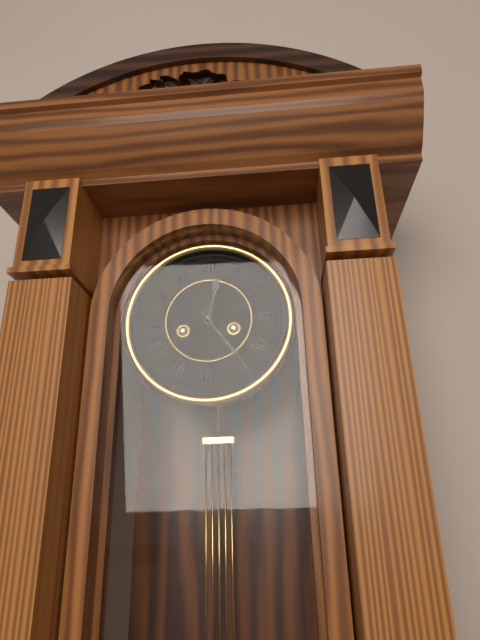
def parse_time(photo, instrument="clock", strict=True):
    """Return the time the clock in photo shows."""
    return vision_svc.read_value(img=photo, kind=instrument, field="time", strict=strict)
12:24
